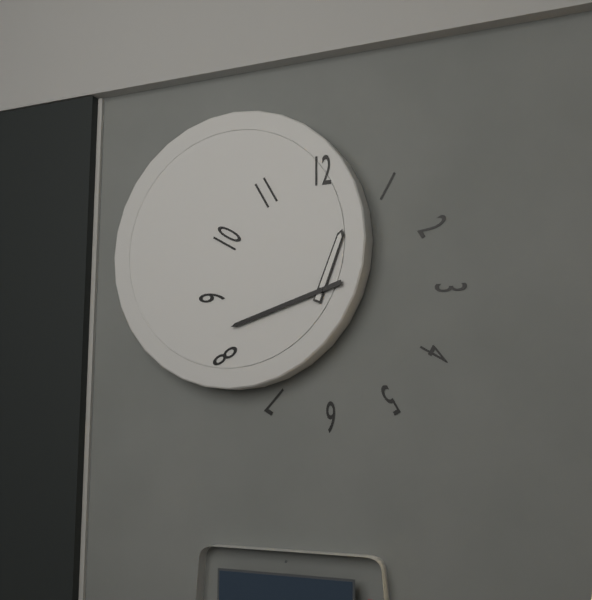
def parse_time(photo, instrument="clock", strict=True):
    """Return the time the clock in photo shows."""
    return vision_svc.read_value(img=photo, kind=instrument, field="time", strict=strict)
12:42
